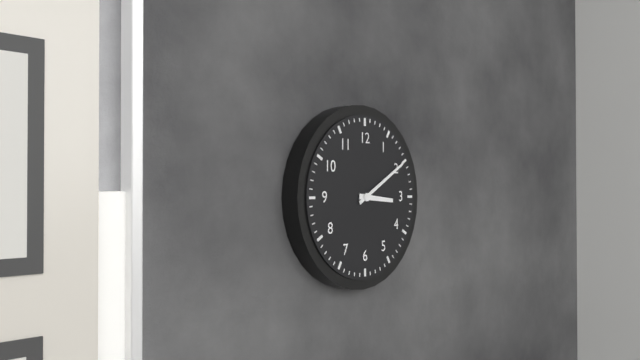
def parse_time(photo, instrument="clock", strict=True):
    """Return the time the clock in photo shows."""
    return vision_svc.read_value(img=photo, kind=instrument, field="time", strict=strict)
3:10
